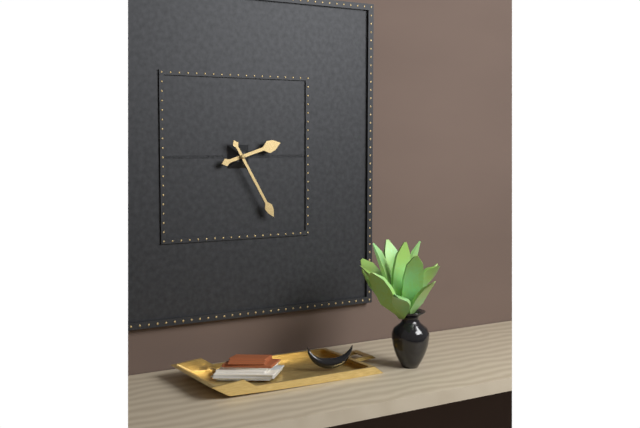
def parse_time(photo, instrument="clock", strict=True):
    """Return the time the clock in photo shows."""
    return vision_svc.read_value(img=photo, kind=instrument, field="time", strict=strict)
2:25
